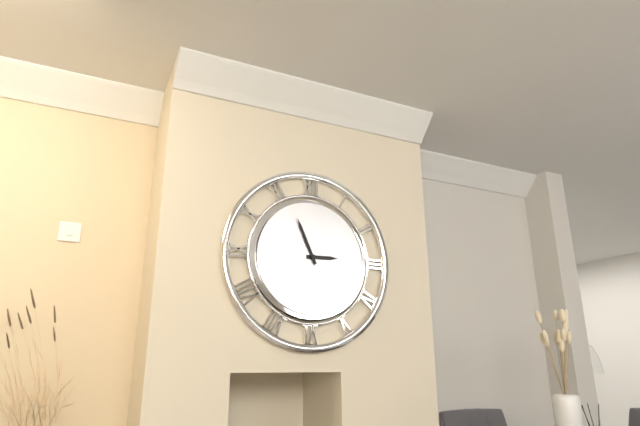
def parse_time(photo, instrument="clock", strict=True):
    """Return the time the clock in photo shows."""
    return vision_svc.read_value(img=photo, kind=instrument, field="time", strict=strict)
2:56
